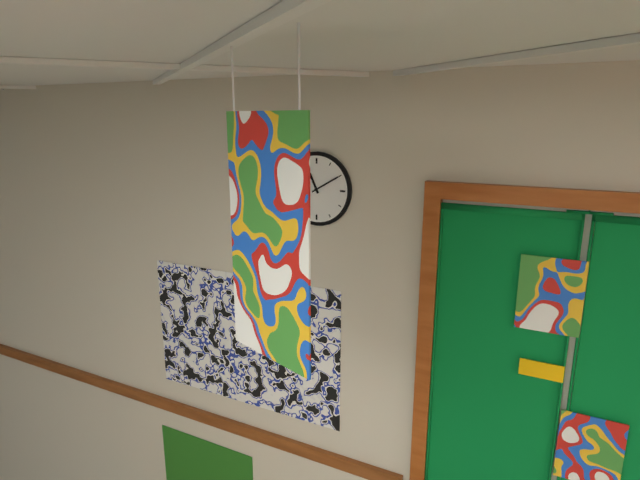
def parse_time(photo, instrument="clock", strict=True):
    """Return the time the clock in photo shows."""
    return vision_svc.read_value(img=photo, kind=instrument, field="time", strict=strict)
11:10
